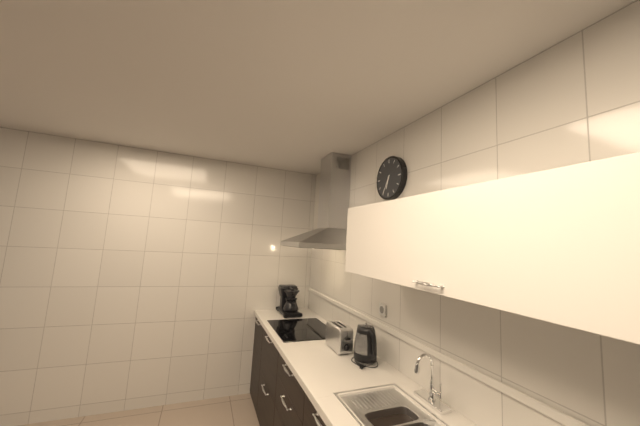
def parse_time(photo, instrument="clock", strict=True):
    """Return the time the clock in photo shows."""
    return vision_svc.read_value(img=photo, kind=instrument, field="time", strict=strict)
6:35
